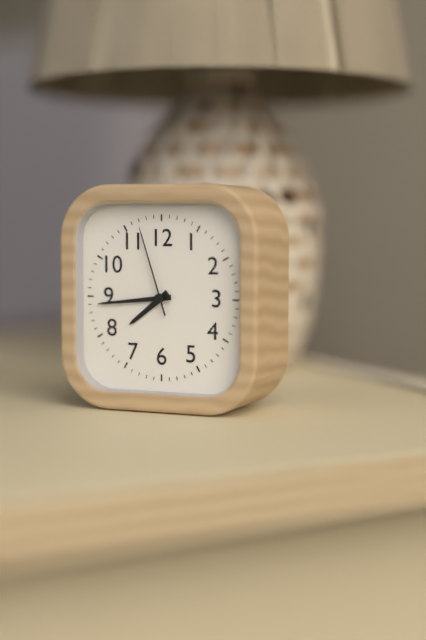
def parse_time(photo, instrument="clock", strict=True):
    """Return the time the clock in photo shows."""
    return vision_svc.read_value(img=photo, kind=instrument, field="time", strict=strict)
7:44:57
